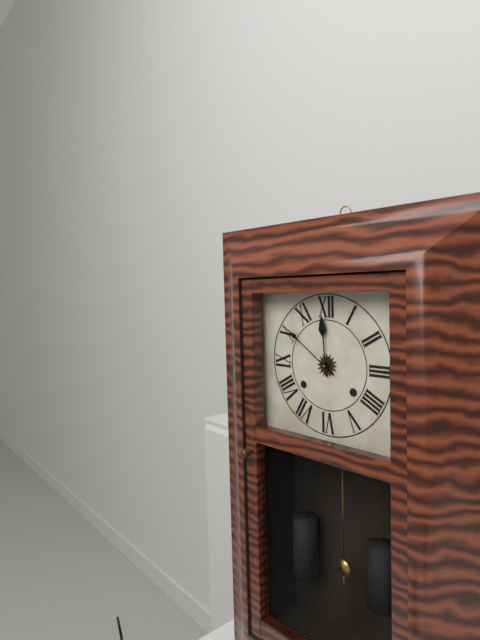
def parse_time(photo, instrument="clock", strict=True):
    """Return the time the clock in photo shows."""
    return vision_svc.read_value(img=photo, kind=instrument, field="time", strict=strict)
11:51
